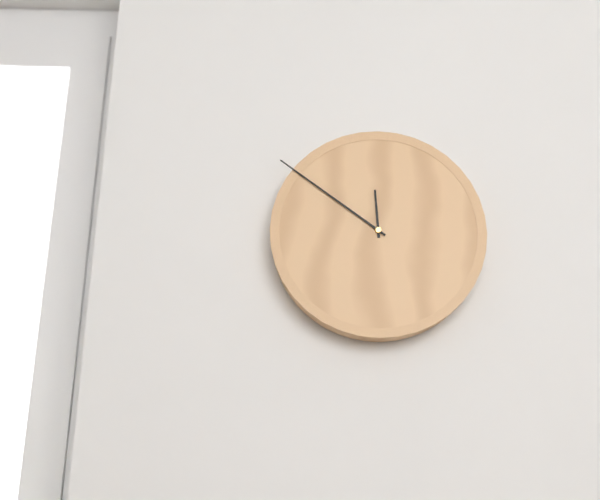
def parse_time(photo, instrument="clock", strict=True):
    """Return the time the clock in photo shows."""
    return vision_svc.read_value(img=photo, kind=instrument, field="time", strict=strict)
11:51
